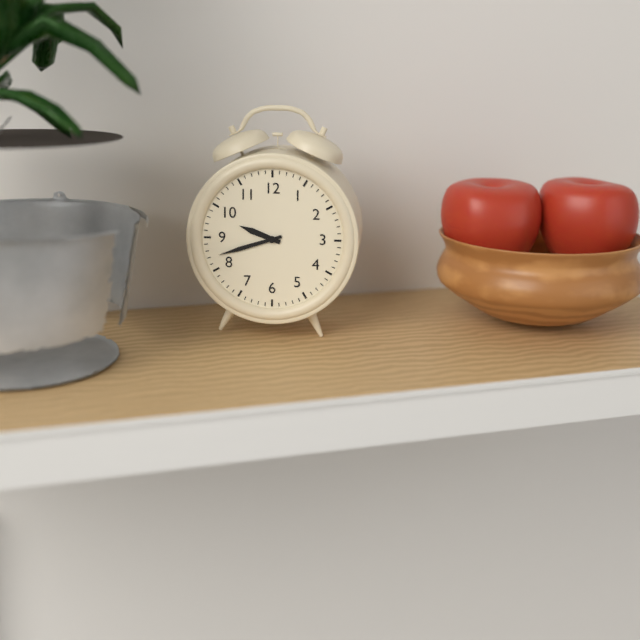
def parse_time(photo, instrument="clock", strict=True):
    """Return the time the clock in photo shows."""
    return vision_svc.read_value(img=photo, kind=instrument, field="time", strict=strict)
9:42
